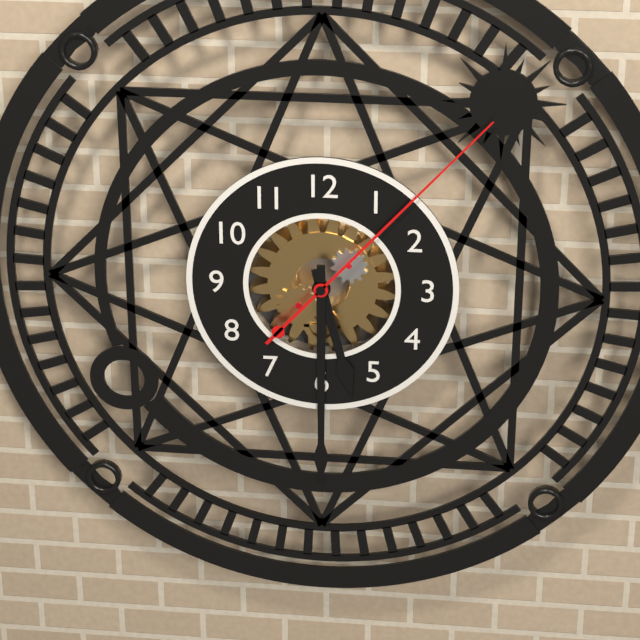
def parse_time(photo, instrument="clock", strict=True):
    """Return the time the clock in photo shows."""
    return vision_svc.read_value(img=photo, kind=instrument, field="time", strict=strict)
5:30:07
